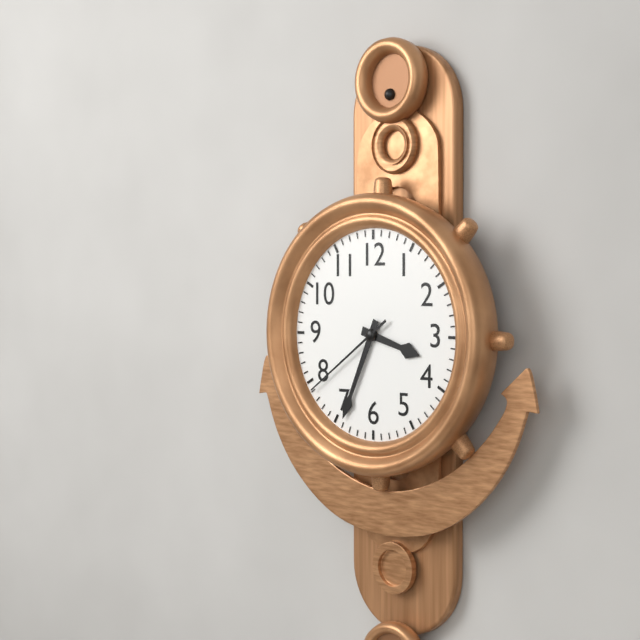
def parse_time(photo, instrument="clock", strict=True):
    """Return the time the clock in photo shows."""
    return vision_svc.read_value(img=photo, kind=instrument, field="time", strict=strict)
3:34:39
